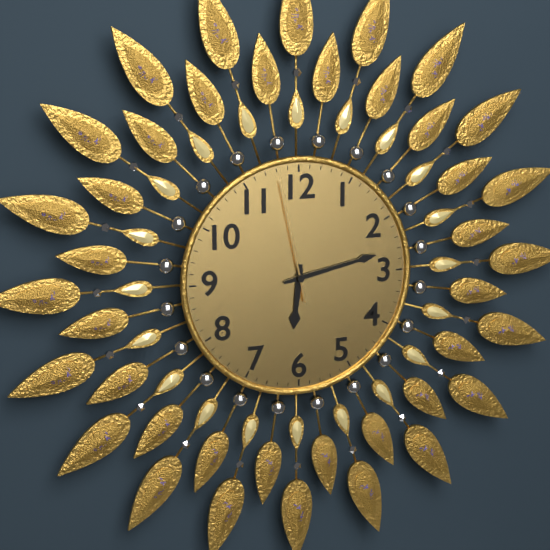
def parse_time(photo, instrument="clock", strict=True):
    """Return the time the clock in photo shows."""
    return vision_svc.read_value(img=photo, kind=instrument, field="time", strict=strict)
6:13:58
